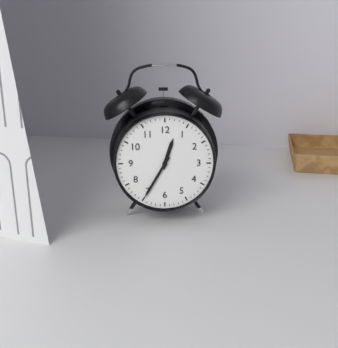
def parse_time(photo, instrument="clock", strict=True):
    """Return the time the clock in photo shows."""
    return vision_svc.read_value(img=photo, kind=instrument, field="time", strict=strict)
12:35
